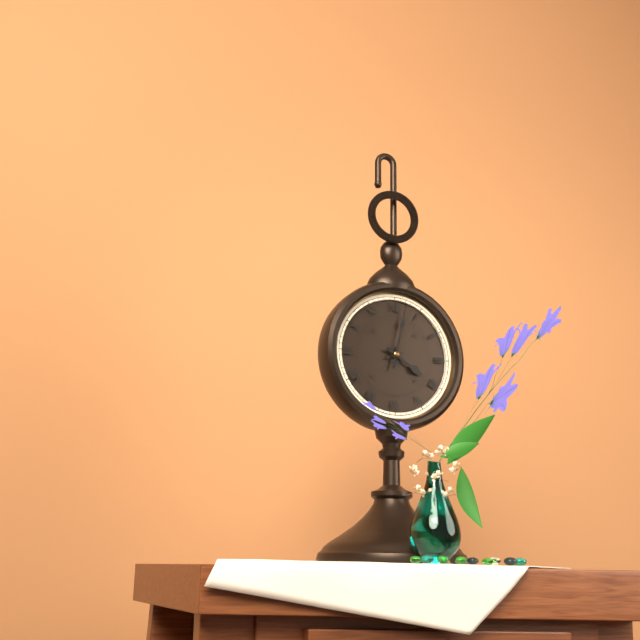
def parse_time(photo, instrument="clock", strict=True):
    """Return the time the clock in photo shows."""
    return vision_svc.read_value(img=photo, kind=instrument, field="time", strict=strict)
4:02
